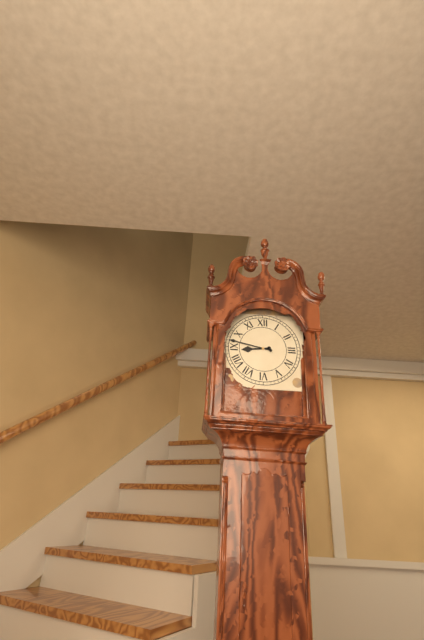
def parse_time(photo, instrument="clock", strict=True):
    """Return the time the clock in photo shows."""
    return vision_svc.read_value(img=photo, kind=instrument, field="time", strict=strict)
8:47
